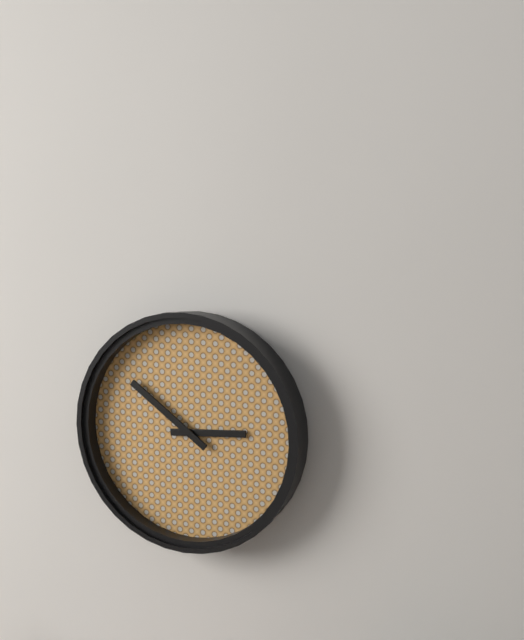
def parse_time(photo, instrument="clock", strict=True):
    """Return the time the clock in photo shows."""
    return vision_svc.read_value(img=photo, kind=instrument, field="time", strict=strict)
2:51
